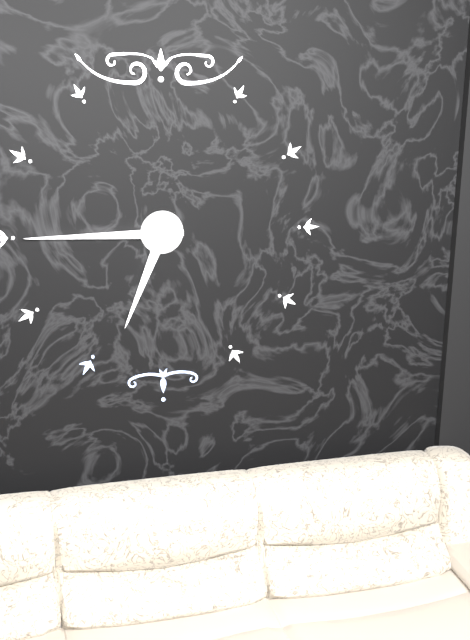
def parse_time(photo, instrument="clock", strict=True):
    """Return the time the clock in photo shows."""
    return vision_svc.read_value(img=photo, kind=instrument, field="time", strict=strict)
6:45
